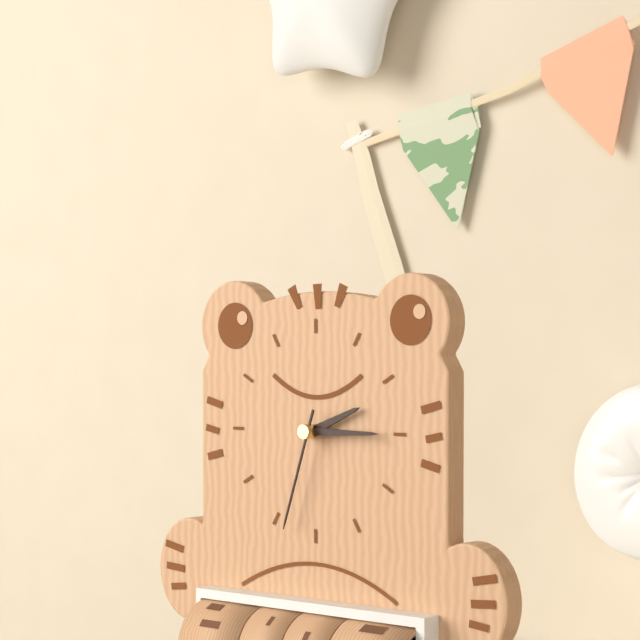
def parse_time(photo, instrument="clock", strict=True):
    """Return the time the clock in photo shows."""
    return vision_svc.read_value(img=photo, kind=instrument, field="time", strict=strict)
2:15:33
